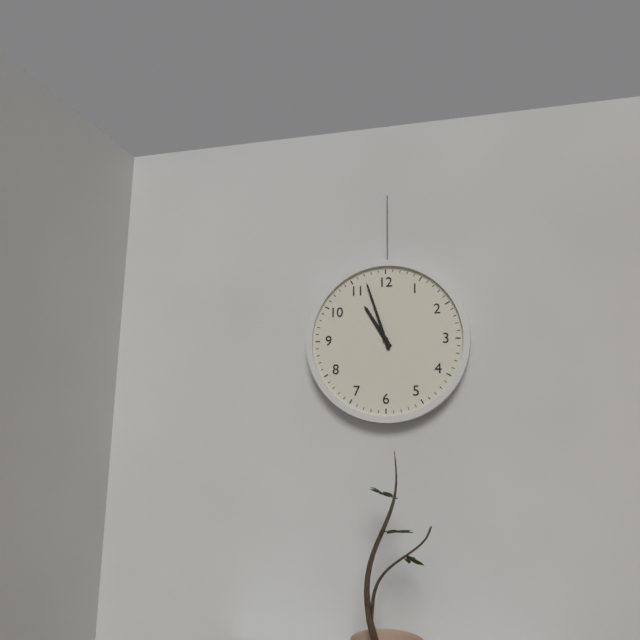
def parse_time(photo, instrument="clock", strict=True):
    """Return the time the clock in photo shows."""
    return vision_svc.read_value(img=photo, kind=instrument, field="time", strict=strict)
10:57
